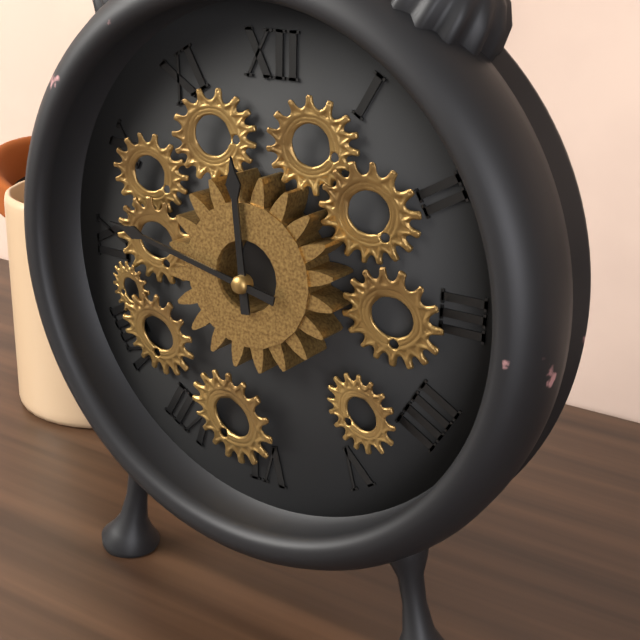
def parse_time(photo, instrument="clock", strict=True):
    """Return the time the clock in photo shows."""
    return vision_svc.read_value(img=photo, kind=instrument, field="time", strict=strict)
11:47
